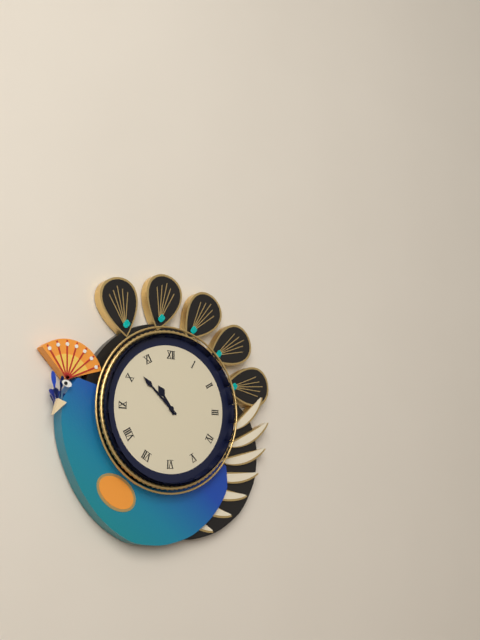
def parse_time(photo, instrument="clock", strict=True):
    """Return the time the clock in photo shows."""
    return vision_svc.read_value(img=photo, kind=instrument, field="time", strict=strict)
10:52
